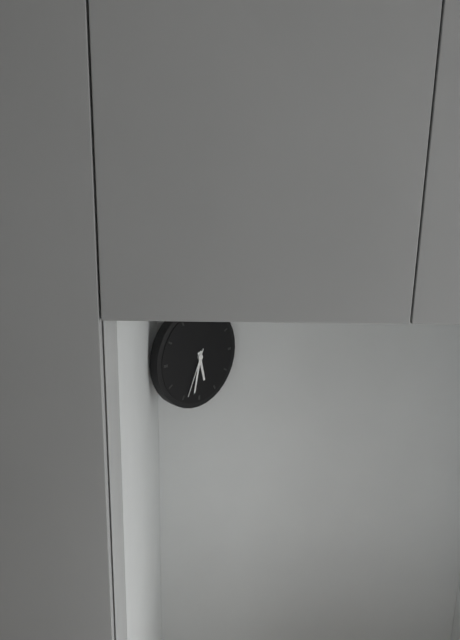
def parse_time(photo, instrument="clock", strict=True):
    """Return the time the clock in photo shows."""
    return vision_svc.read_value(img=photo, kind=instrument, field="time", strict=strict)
5:32:34
